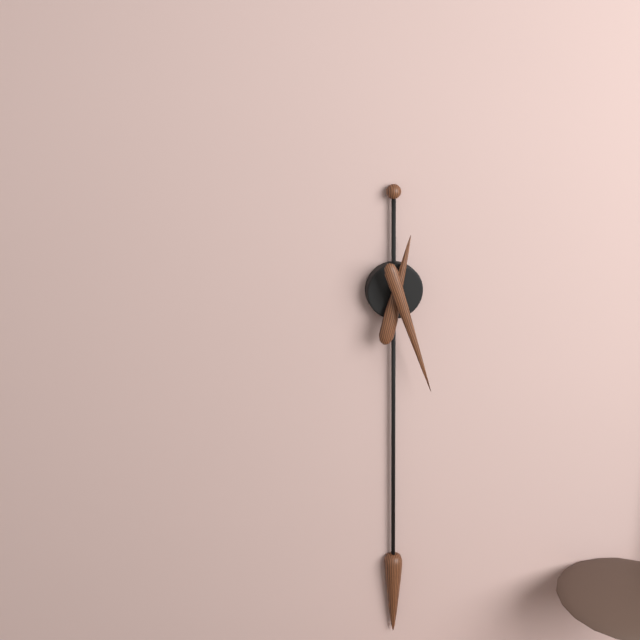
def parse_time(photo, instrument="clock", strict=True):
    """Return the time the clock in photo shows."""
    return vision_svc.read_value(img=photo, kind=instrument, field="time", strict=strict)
12:27
